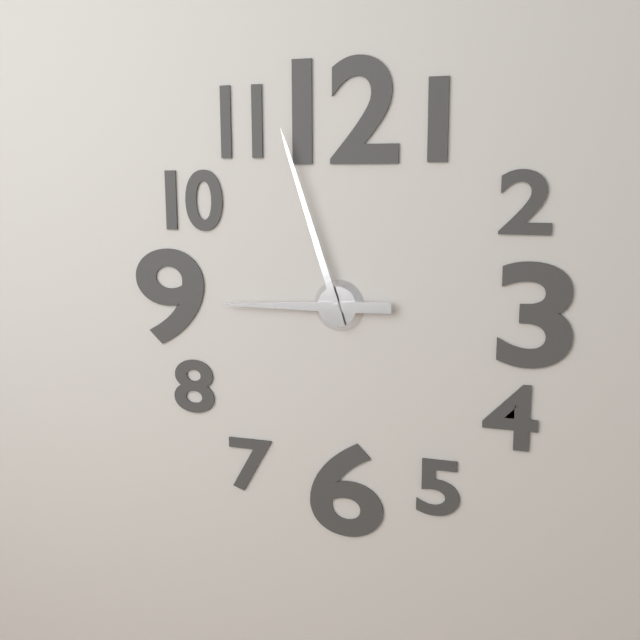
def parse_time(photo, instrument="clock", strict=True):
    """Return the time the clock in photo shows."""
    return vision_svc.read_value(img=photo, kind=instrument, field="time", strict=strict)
8:57
